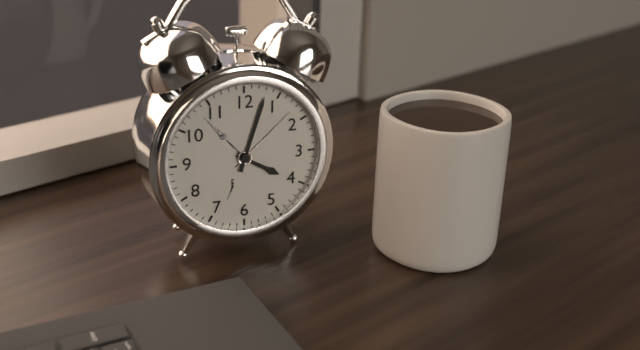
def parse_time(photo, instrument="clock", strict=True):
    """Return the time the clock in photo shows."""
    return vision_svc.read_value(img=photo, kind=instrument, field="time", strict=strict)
4:03
